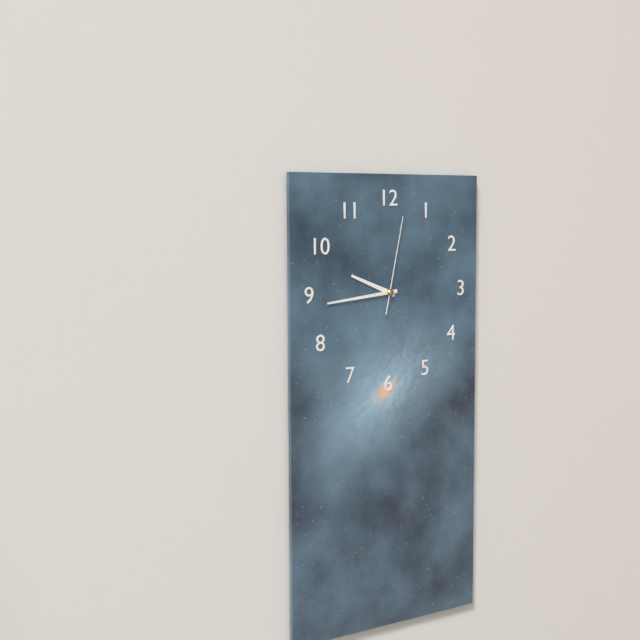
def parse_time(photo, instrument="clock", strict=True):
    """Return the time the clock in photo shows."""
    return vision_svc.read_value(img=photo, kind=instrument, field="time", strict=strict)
9:44:02
